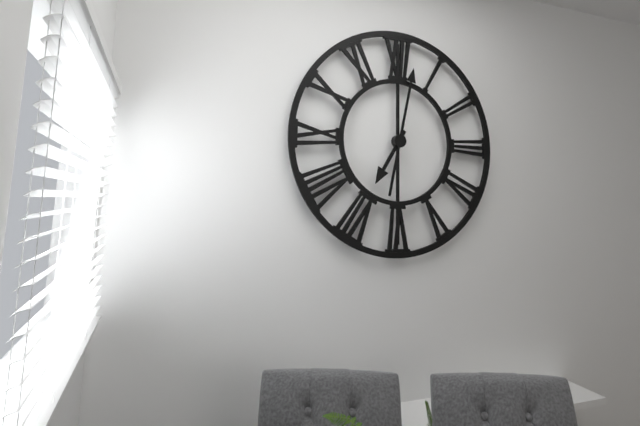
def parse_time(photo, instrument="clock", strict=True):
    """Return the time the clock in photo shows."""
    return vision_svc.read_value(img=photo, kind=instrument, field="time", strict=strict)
7:02
